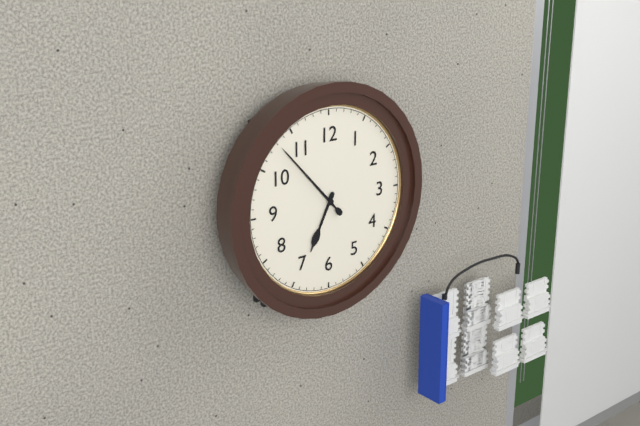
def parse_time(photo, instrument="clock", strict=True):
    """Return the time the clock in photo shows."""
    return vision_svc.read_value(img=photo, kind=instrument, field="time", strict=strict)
6:53
